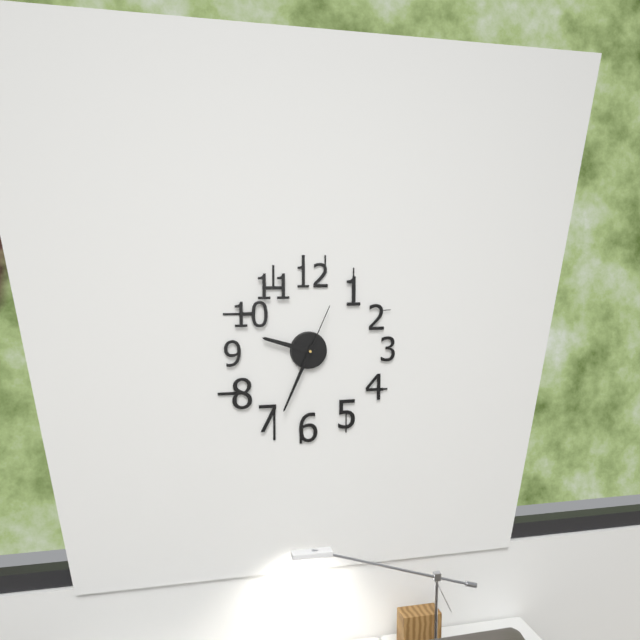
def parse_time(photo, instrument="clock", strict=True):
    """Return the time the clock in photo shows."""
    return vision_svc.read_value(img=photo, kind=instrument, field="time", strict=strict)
9:34:04
